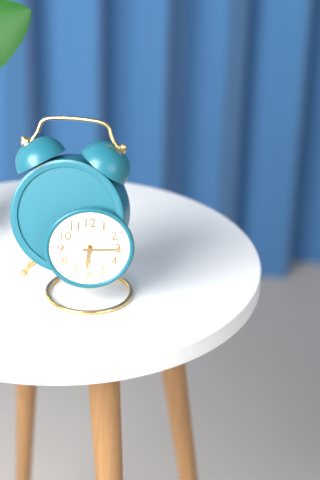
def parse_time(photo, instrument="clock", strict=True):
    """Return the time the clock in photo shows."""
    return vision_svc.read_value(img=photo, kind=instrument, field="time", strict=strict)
6:15
